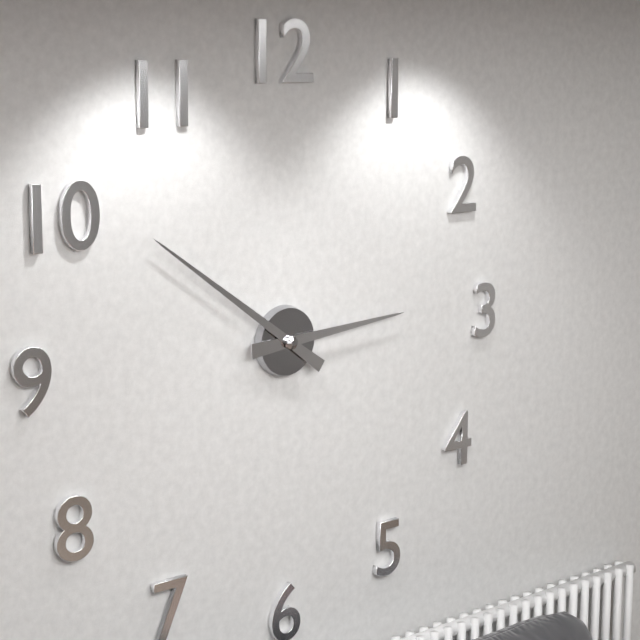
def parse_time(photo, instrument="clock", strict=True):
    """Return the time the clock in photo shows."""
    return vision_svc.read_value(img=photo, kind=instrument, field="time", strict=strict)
2:51
